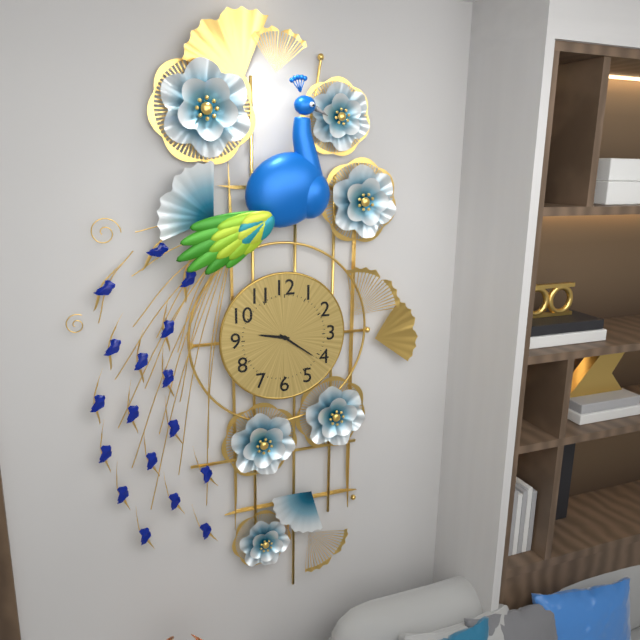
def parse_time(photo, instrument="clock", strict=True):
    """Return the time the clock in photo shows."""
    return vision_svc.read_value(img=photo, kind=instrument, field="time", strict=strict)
9:21
